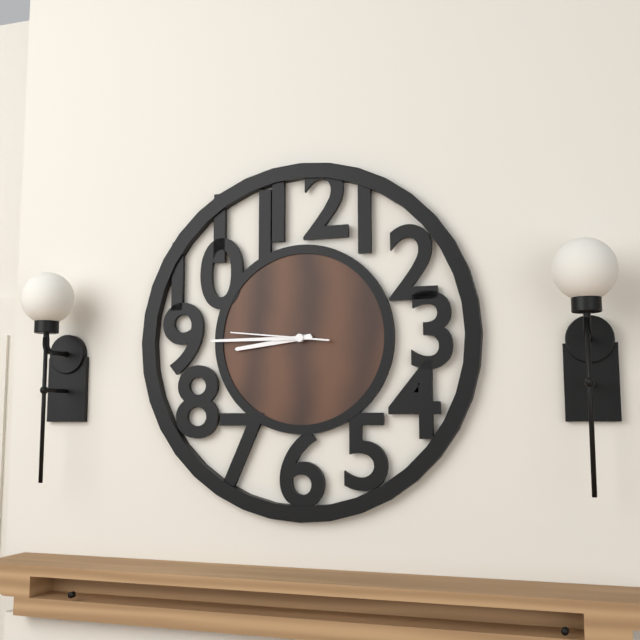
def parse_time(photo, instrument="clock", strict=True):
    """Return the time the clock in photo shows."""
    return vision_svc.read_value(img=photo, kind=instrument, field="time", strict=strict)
8:45:46
